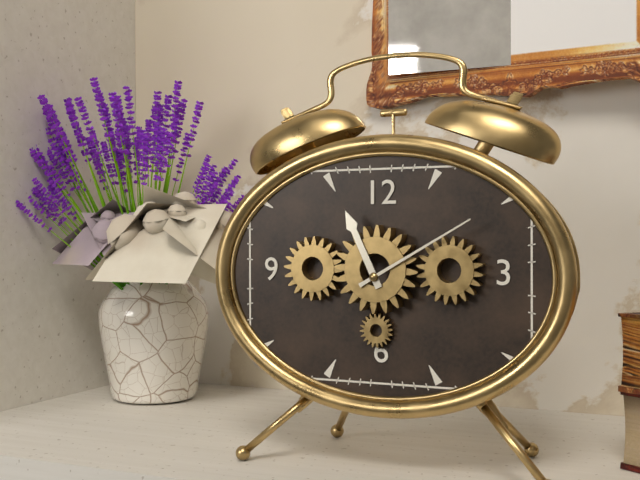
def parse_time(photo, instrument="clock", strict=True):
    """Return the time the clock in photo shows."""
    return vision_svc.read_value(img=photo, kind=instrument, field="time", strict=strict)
11:10
